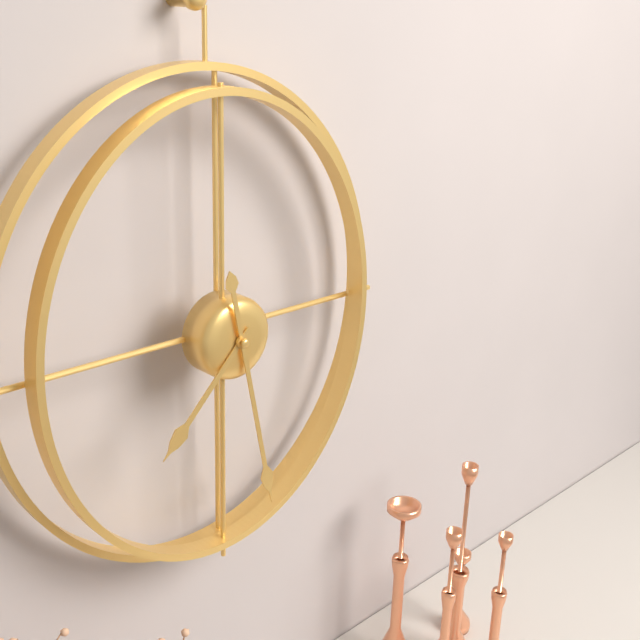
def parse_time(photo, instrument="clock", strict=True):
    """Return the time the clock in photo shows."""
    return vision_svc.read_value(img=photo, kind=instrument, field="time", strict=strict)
7:28
